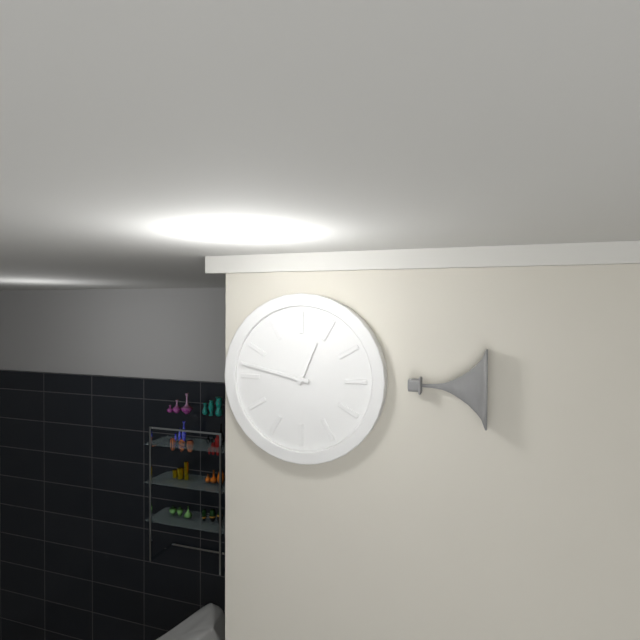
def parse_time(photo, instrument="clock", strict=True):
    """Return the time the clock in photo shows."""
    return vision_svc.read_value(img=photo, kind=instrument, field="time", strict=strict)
12:47
